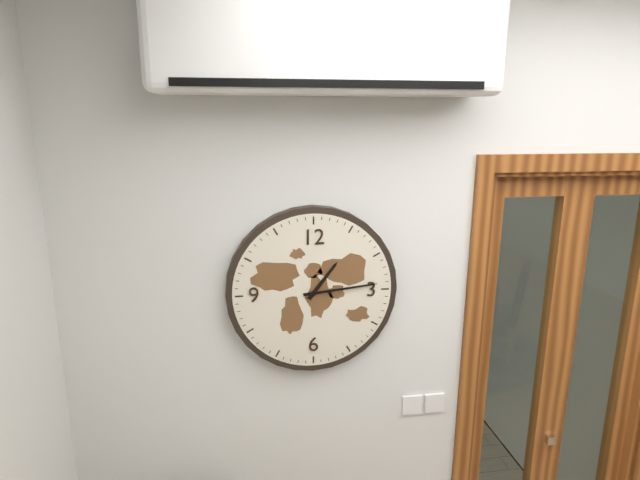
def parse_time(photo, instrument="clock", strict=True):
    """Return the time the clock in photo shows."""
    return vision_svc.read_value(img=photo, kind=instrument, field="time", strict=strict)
1:14
